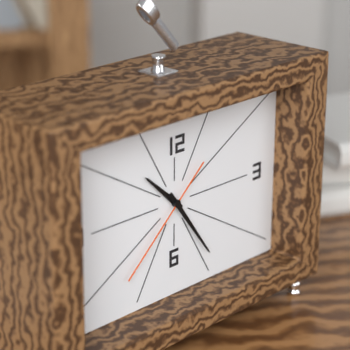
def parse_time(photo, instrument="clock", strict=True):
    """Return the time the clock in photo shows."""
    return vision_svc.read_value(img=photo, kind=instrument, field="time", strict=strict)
10:24:38
